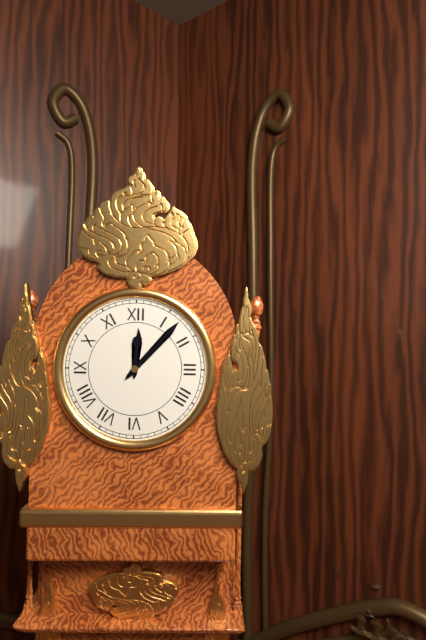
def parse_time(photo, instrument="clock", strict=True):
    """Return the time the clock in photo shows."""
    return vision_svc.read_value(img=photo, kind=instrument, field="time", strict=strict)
12:07
